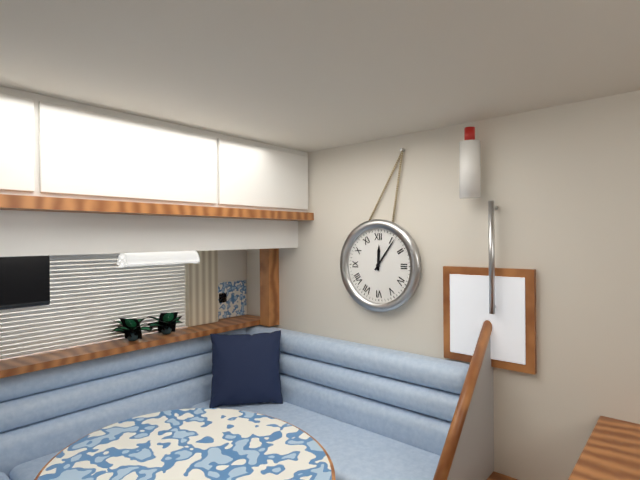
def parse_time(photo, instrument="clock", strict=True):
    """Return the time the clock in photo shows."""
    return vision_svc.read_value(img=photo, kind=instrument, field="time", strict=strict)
12:06
